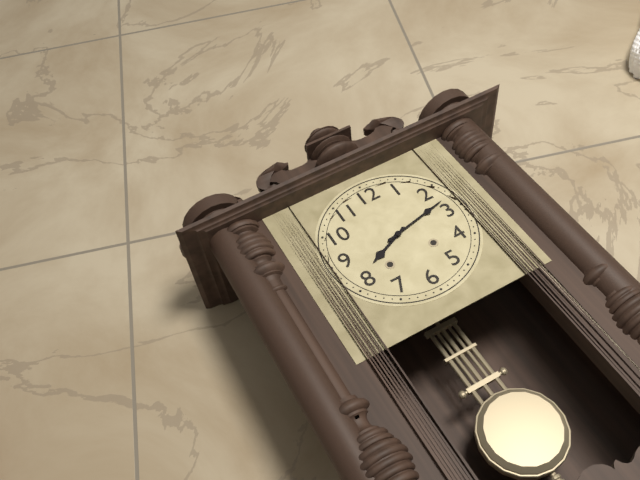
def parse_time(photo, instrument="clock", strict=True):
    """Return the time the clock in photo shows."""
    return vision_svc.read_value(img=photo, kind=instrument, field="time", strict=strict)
8:13
